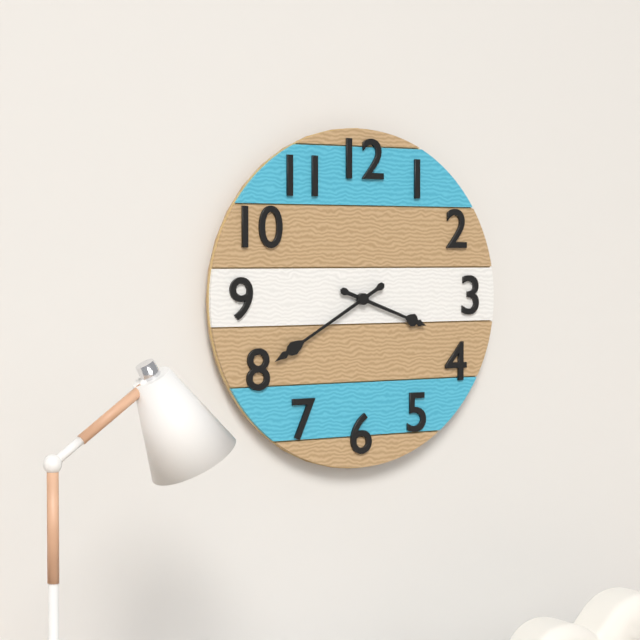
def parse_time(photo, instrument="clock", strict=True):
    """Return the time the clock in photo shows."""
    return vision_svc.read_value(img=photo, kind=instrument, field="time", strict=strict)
3:40
